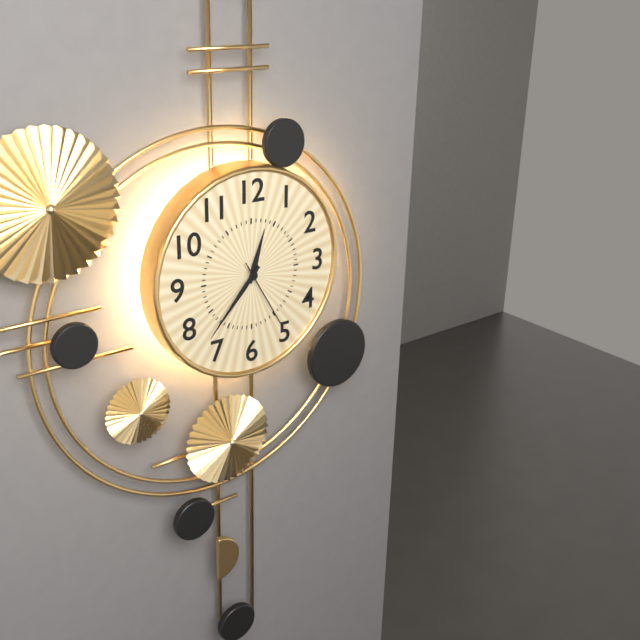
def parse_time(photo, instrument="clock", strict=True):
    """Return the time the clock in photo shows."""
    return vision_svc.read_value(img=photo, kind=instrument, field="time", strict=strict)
12:37:25
